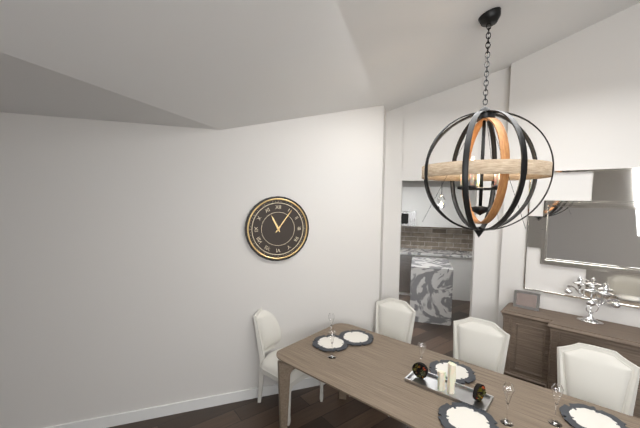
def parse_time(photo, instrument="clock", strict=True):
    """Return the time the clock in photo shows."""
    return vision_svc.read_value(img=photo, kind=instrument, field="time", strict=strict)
11:06
